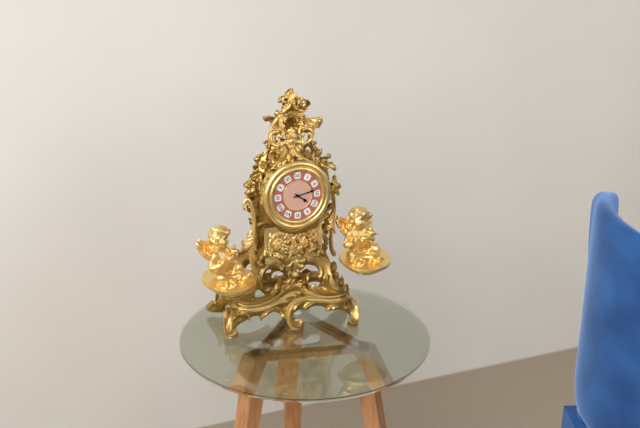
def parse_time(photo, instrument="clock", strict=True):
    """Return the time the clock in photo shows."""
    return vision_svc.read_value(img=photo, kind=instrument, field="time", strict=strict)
4:13
